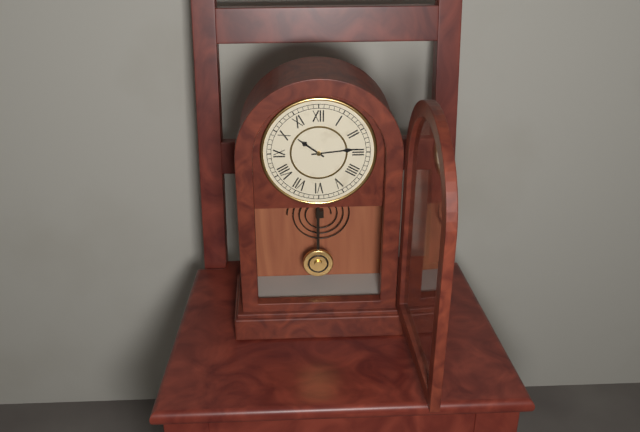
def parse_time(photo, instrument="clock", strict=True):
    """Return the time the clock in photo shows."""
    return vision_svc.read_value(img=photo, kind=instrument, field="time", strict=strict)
10:14
